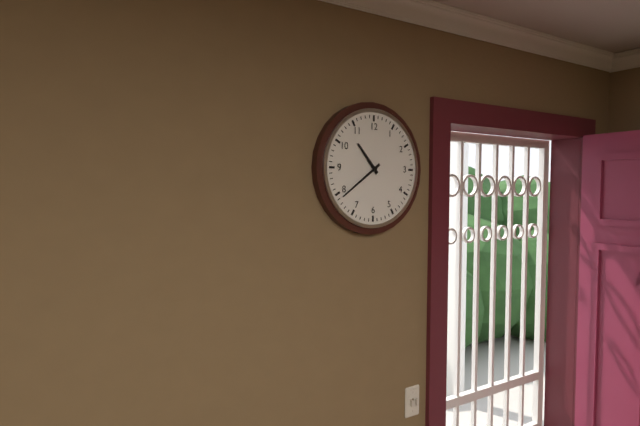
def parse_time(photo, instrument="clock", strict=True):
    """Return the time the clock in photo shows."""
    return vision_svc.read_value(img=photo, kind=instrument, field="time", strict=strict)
10:39
